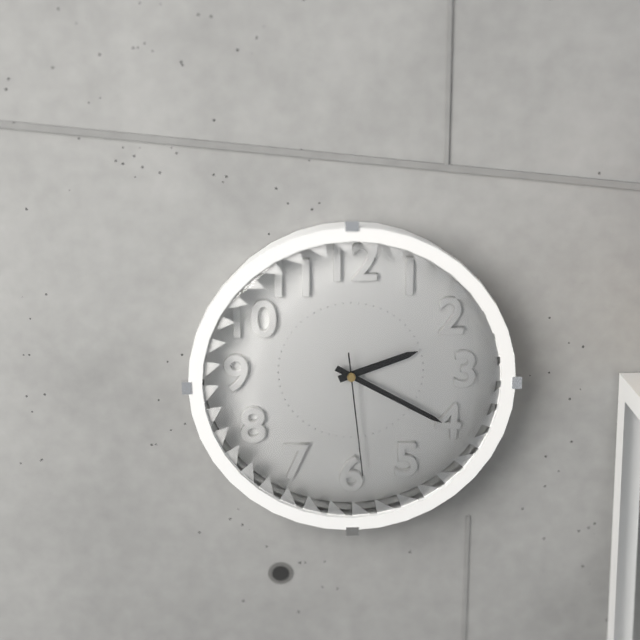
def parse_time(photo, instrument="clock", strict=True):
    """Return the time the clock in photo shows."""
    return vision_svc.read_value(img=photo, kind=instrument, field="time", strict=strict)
2:20:29
